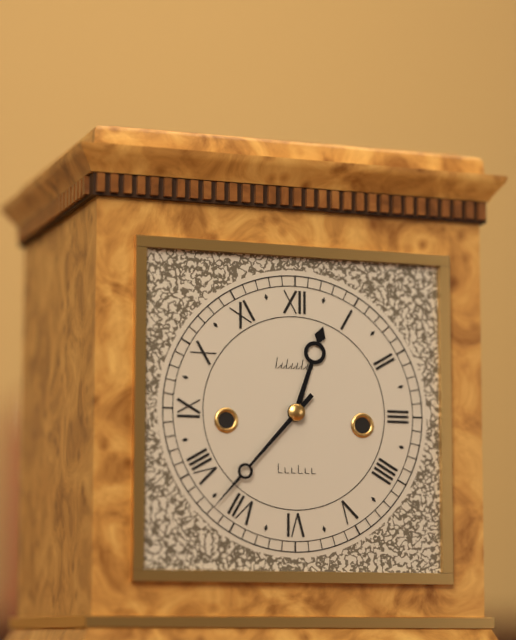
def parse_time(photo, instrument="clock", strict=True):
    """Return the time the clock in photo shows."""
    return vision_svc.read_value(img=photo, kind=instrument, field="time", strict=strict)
12:37
